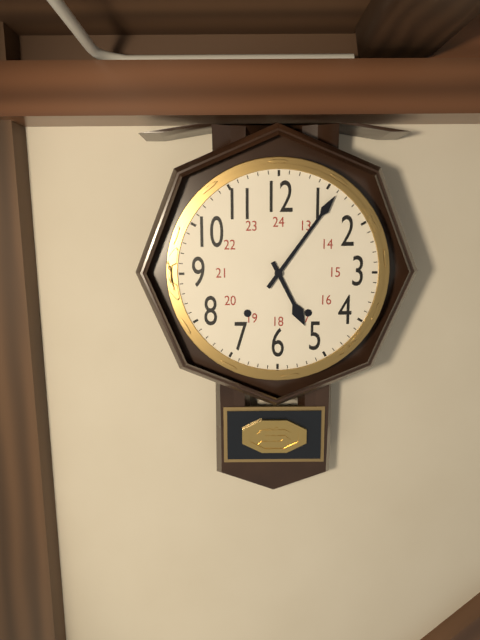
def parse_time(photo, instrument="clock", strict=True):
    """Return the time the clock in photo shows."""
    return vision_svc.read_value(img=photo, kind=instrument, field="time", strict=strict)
5:06
